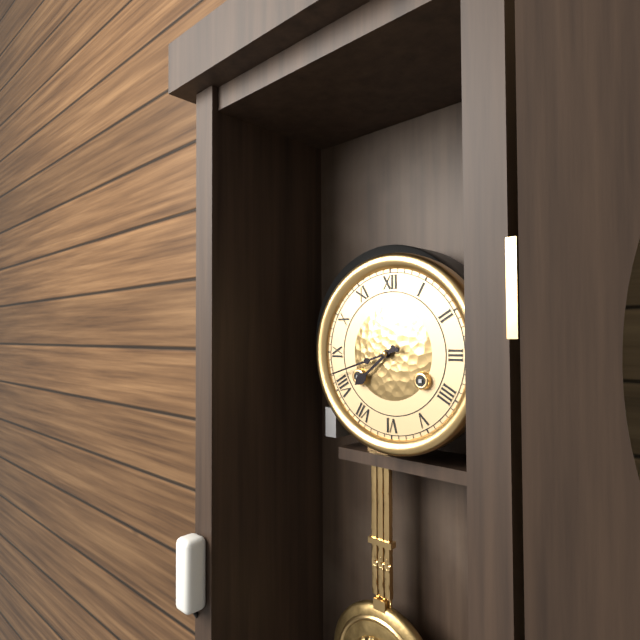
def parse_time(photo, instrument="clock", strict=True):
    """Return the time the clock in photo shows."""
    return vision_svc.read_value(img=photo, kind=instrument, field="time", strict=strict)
7:42
